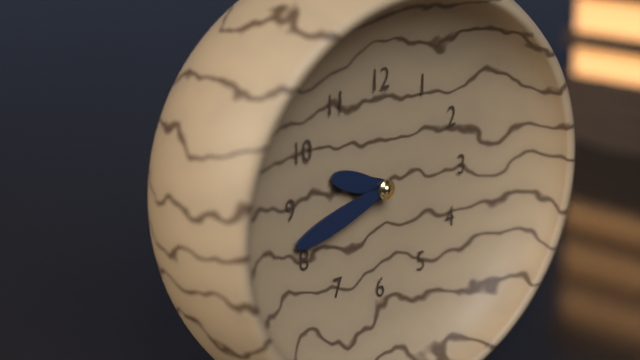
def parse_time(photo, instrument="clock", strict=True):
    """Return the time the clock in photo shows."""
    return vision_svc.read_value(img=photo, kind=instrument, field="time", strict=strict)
9:42
